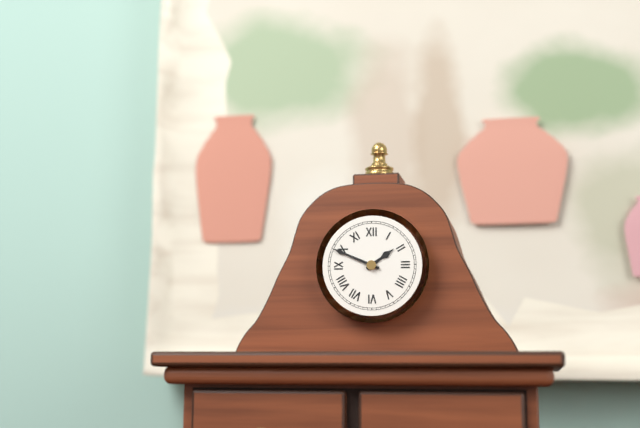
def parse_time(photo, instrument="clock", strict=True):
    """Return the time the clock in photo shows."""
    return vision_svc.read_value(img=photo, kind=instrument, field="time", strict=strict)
1:49
